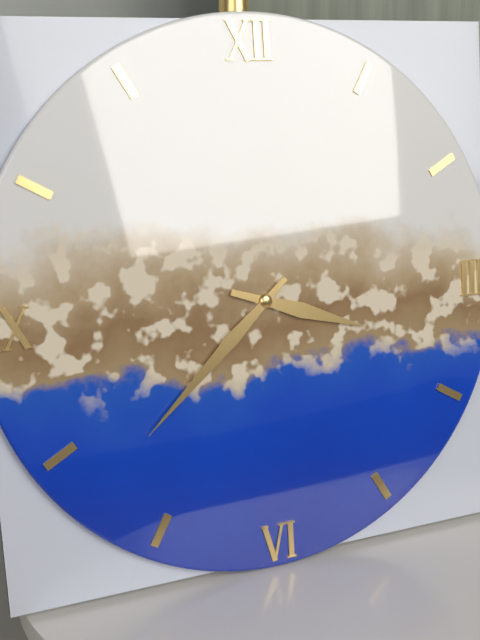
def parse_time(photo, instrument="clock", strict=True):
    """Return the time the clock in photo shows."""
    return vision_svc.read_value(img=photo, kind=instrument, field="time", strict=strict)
3:38
